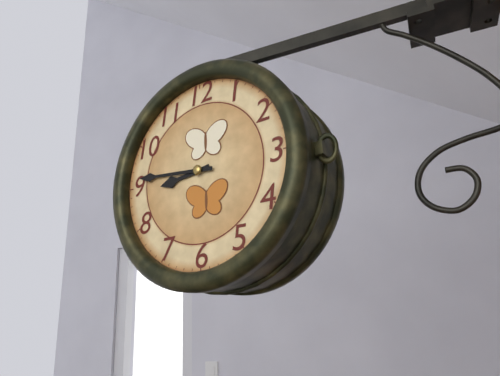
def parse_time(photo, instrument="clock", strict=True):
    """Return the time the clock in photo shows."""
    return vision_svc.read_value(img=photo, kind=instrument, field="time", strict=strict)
8:46
